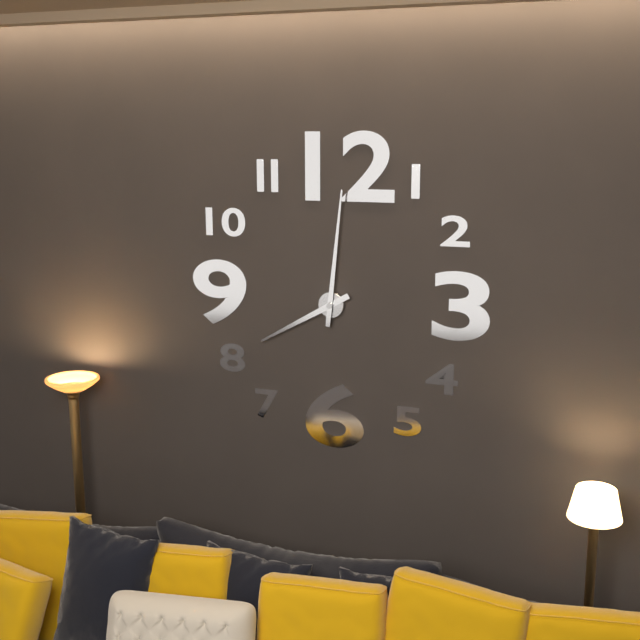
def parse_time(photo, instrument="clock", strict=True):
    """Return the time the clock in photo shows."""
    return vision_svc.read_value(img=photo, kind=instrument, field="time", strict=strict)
8:01
